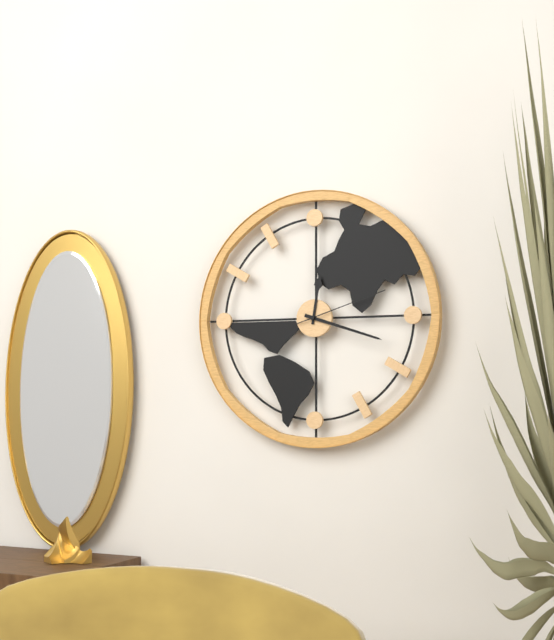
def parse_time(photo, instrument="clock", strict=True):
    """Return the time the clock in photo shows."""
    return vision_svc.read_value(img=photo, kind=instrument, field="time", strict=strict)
12:18:12
